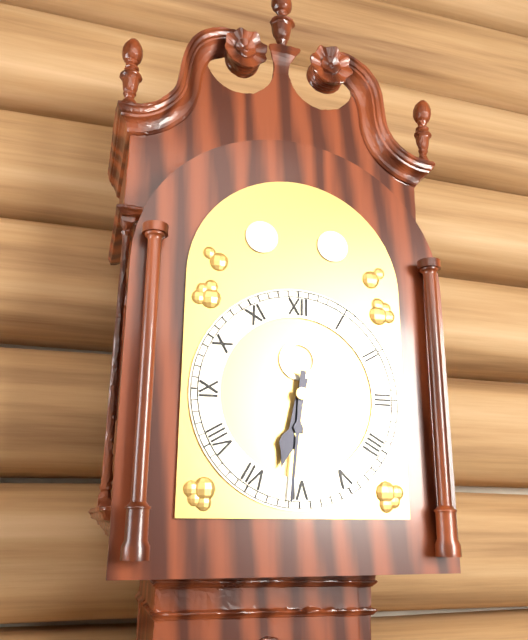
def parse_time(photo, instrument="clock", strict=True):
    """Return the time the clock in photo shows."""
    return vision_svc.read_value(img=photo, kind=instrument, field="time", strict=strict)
6:31
